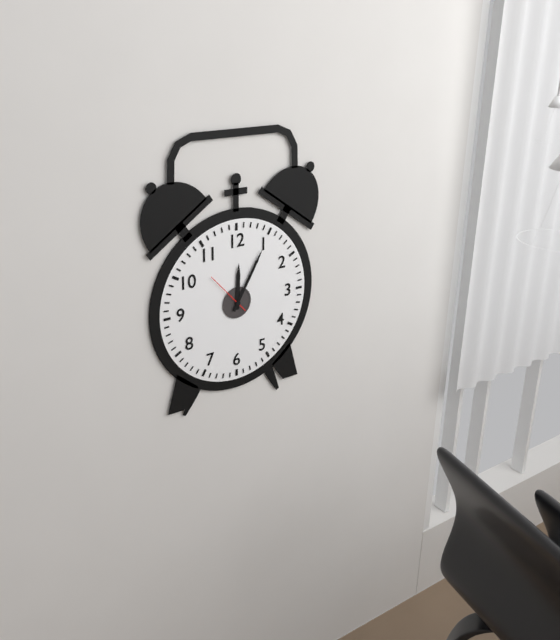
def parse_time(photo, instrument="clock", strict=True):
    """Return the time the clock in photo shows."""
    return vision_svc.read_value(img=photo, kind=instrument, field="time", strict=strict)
12:05
